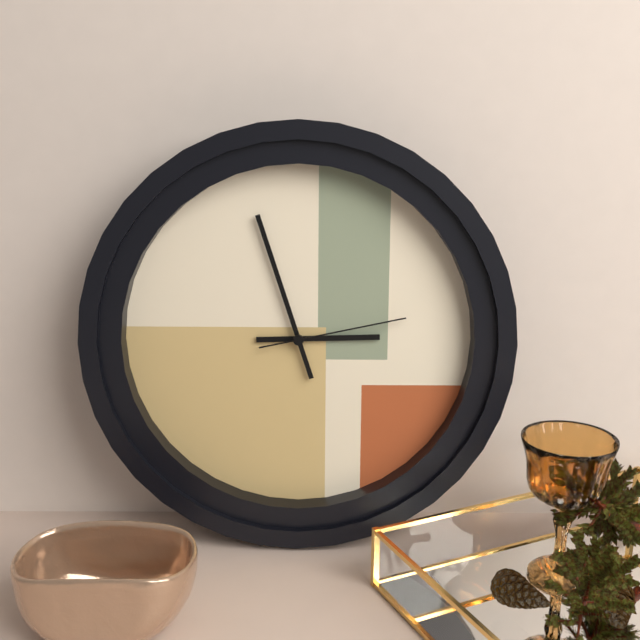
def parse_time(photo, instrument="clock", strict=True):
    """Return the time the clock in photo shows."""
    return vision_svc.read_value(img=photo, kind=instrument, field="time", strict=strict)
2:57:13
